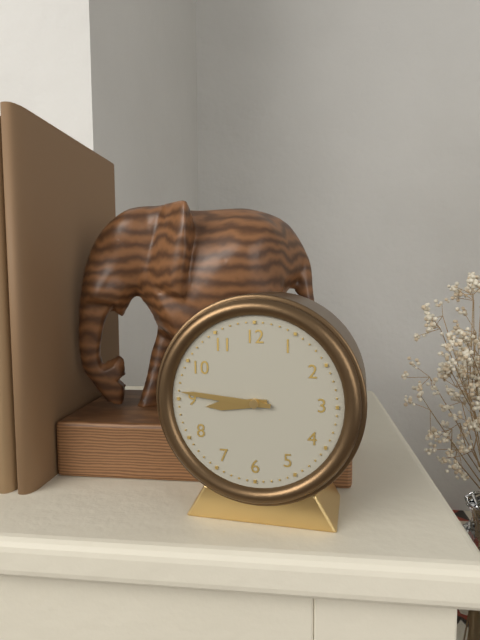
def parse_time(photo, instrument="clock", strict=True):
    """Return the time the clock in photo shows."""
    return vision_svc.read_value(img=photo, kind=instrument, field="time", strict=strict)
8:46
